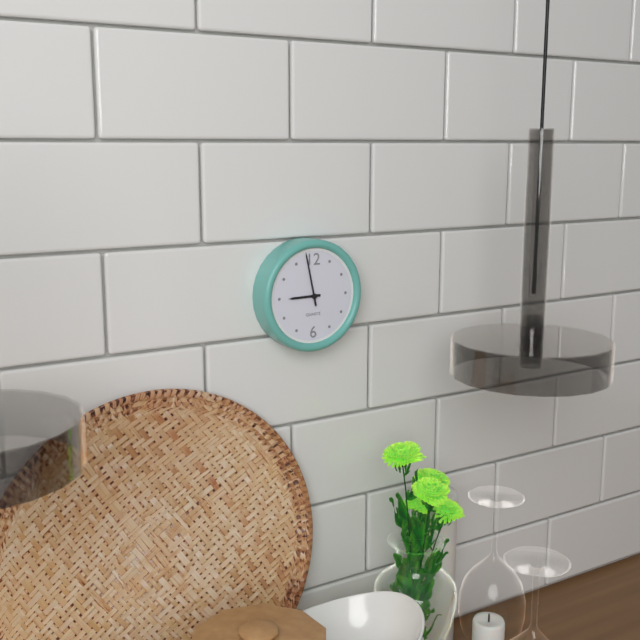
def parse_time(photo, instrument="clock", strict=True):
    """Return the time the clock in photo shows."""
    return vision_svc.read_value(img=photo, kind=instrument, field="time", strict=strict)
8:58
